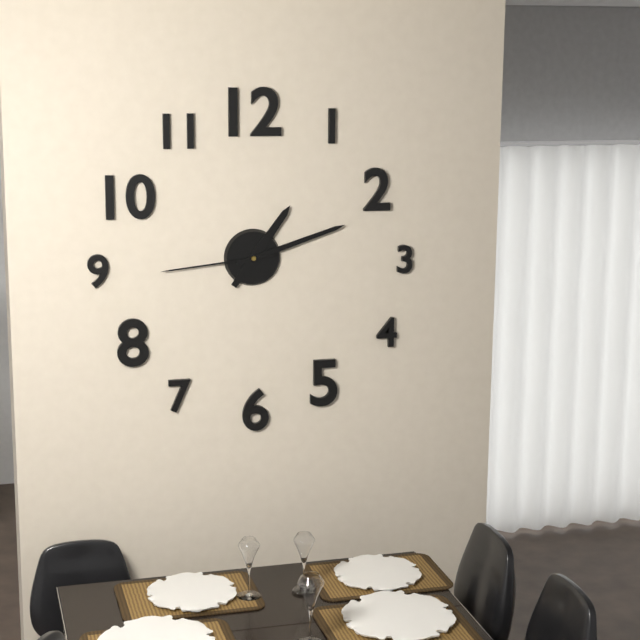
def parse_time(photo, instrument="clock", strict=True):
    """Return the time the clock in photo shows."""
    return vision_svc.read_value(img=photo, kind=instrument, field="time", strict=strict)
1:12:44
